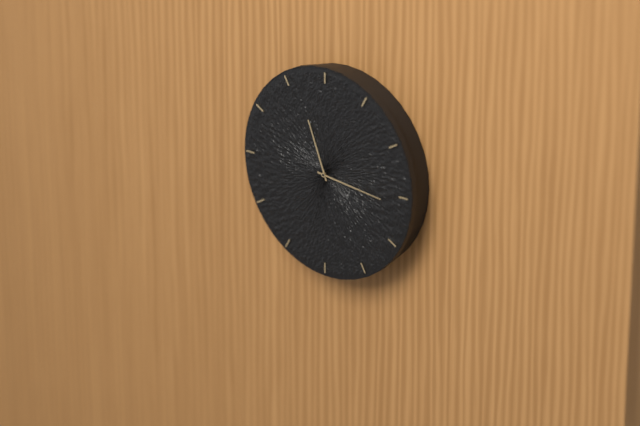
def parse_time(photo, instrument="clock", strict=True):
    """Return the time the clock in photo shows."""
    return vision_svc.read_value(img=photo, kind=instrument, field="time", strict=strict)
11:16
